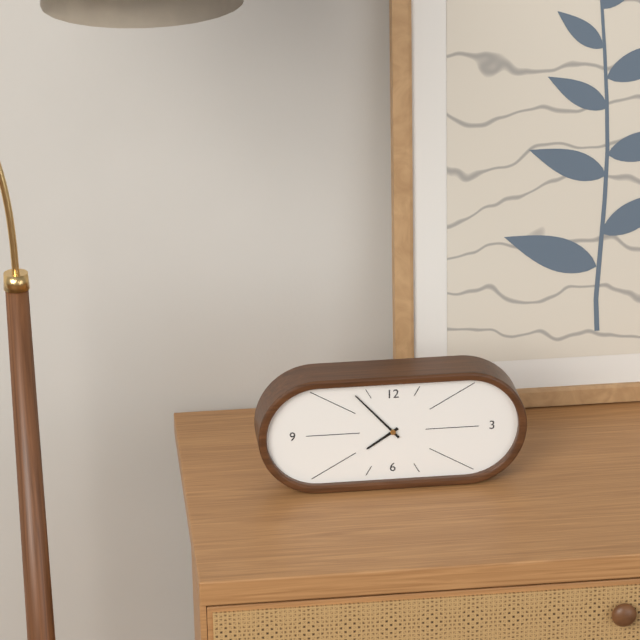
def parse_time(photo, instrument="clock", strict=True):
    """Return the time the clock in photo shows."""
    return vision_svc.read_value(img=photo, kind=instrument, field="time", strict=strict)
7:53
